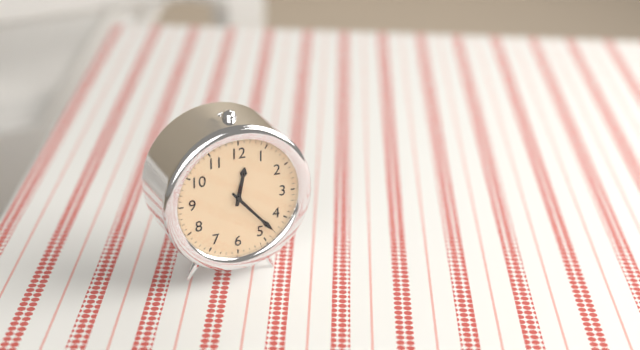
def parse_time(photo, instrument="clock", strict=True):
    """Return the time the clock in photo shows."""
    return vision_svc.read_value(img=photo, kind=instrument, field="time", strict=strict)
12:23
